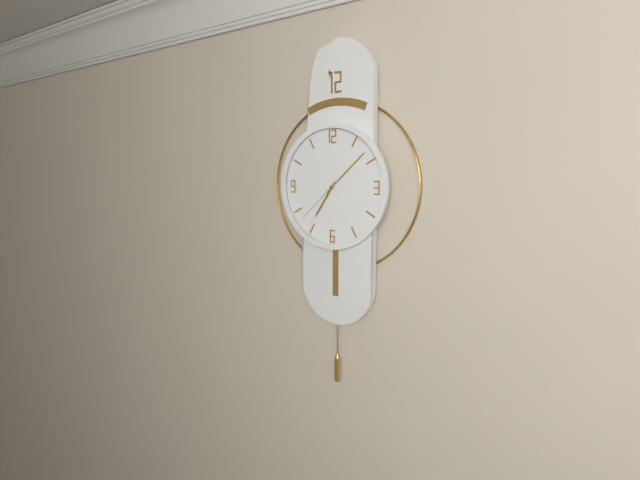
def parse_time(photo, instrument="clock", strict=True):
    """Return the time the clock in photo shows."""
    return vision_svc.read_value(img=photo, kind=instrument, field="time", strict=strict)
7:08:38
